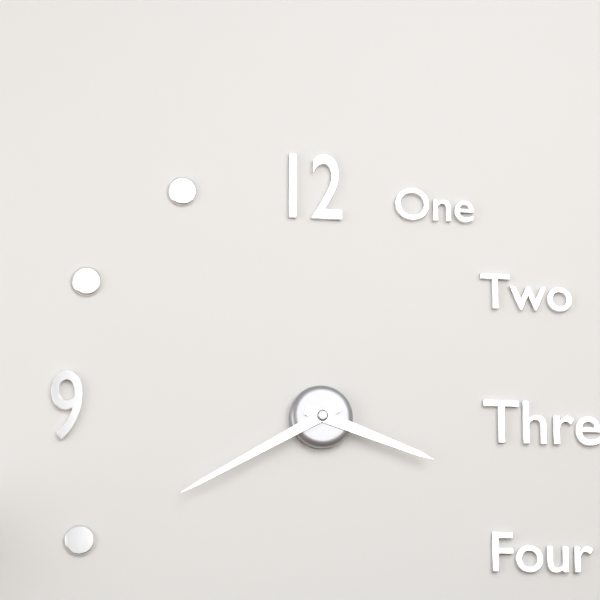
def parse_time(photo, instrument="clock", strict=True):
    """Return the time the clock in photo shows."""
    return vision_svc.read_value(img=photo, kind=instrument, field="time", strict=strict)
3:40
